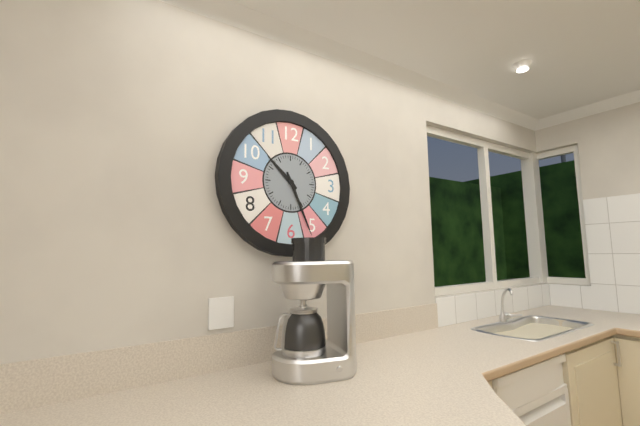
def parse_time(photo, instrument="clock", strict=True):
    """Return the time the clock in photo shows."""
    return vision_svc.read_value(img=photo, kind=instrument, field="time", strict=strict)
10:26
